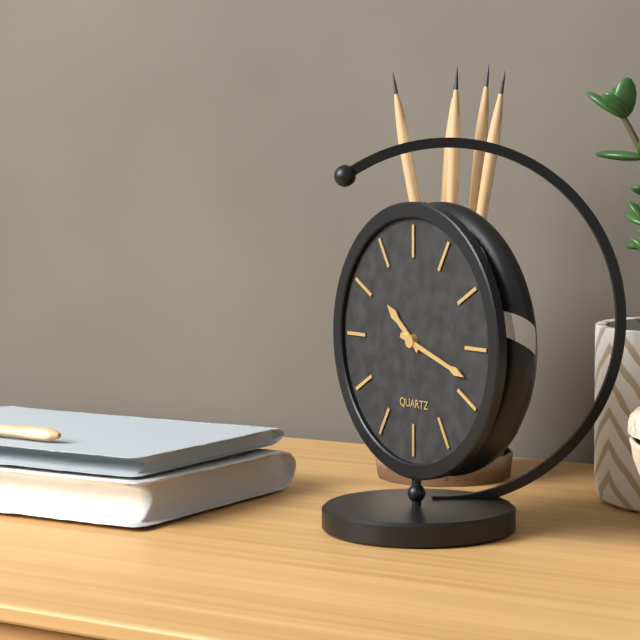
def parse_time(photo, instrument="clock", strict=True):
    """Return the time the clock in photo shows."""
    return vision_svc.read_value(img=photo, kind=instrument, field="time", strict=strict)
10:18
